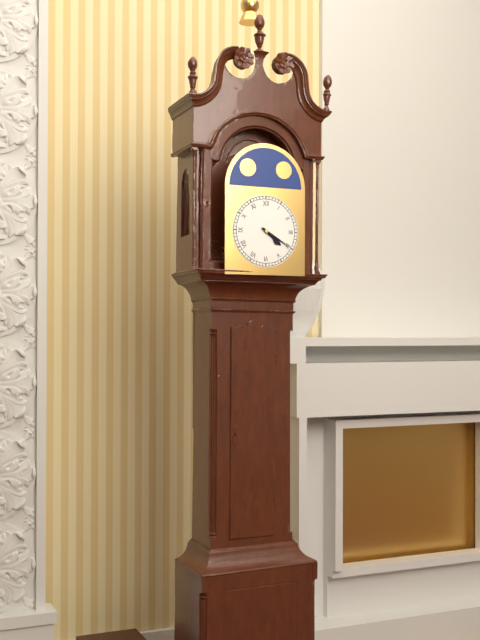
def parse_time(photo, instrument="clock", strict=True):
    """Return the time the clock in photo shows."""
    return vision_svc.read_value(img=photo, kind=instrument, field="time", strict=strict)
4:20
